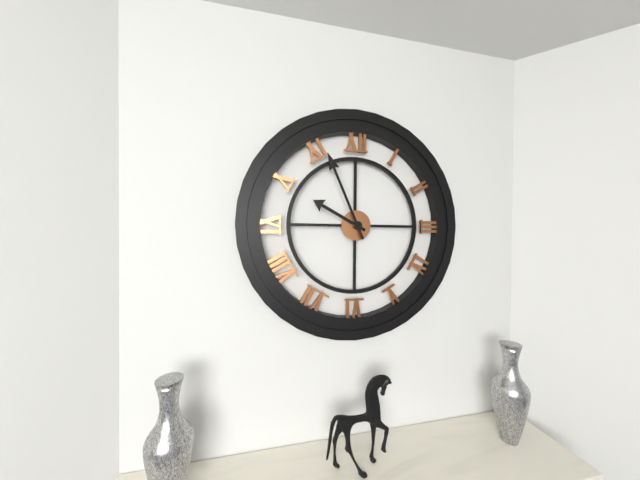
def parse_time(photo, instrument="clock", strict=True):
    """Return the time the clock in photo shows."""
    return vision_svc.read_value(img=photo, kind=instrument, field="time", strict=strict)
9:56
